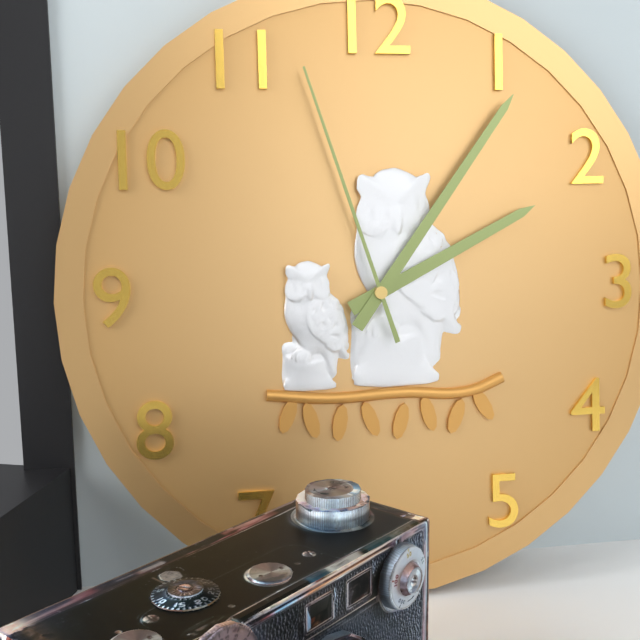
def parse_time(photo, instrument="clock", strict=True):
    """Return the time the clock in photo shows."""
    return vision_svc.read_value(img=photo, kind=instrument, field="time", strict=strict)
2:06:57
